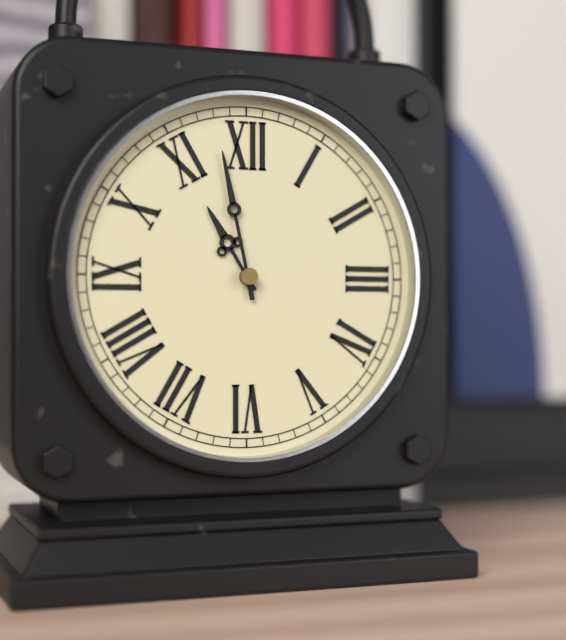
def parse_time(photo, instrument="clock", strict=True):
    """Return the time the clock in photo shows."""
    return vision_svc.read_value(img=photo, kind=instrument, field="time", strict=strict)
10:58
